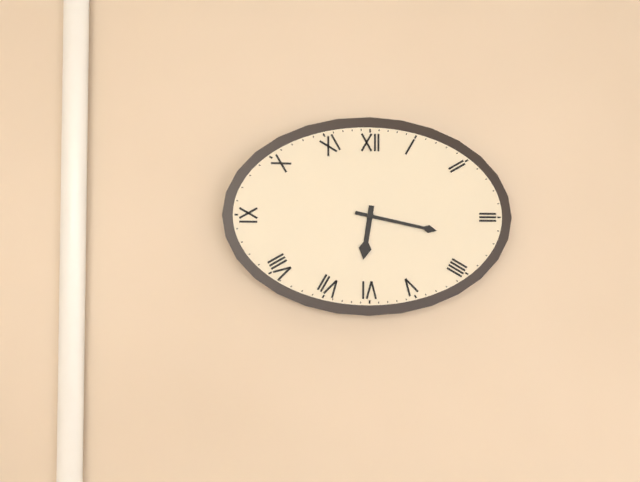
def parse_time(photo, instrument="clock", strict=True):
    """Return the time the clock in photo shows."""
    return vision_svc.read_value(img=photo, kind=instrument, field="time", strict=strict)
6:17
